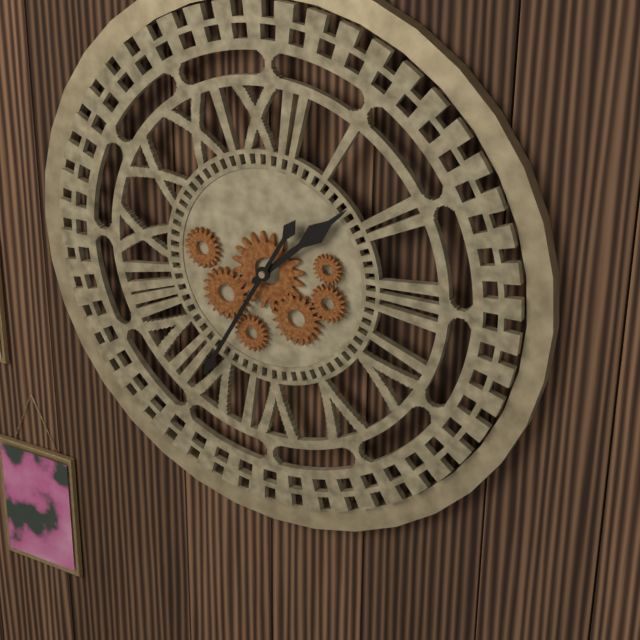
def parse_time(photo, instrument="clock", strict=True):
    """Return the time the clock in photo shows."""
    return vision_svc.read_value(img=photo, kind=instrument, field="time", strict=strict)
1:35
